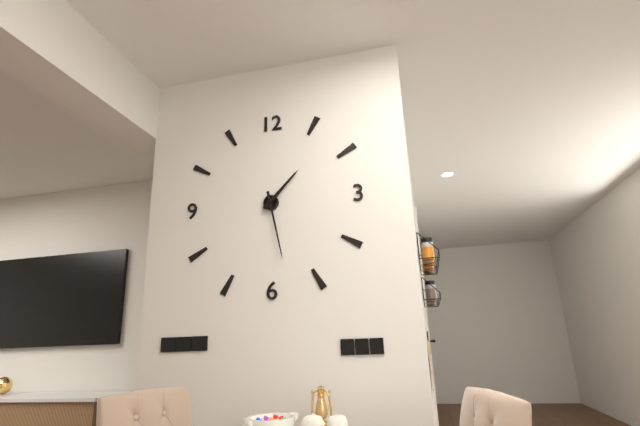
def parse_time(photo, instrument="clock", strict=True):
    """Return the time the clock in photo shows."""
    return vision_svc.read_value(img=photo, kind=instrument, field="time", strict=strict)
1:28
